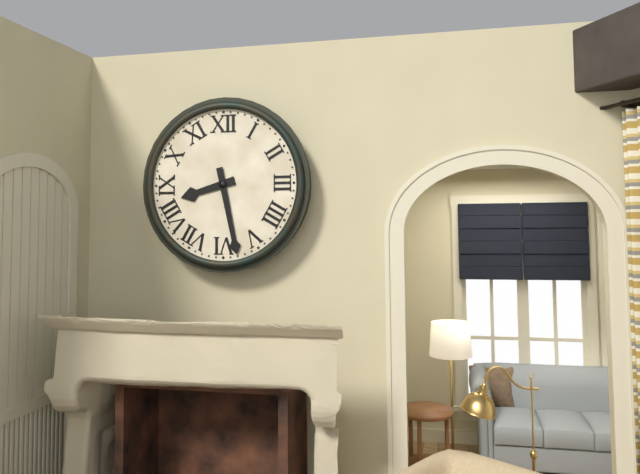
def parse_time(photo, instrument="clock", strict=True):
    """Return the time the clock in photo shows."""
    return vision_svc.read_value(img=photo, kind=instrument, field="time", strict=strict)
8:28
